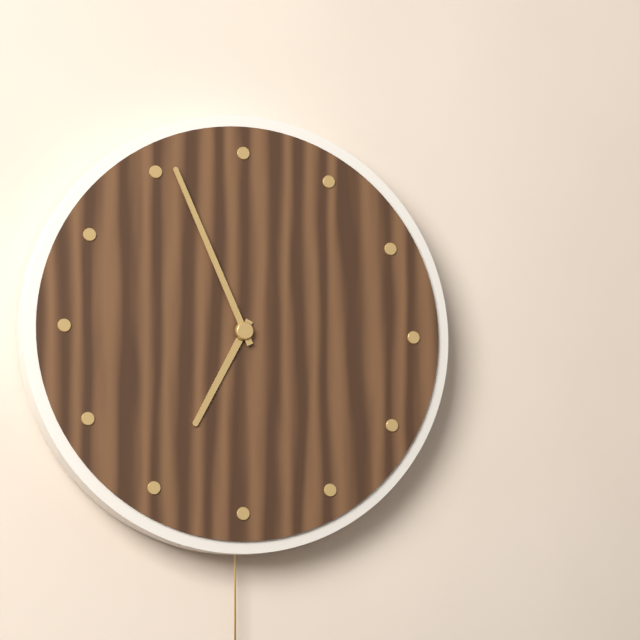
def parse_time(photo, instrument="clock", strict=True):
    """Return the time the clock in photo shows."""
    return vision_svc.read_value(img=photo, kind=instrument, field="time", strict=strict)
6:56
